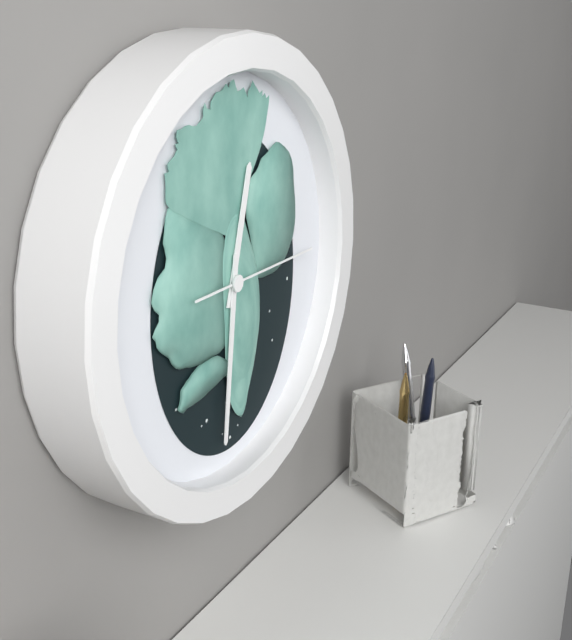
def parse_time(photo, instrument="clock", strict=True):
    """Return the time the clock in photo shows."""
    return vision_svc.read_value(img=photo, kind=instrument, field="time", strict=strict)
12:31:15
